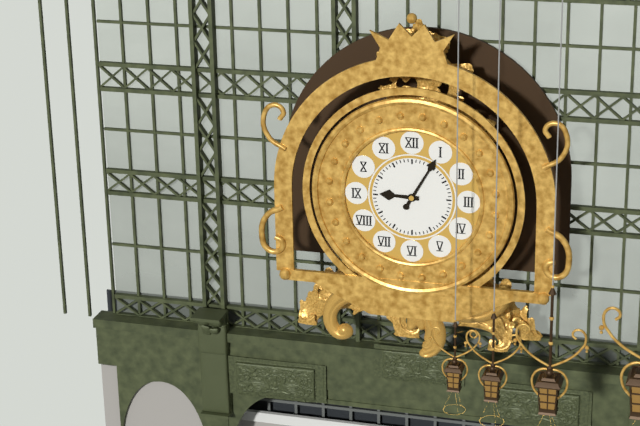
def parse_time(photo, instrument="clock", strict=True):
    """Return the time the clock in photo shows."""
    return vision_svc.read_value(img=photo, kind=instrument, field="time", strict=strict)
9:05
